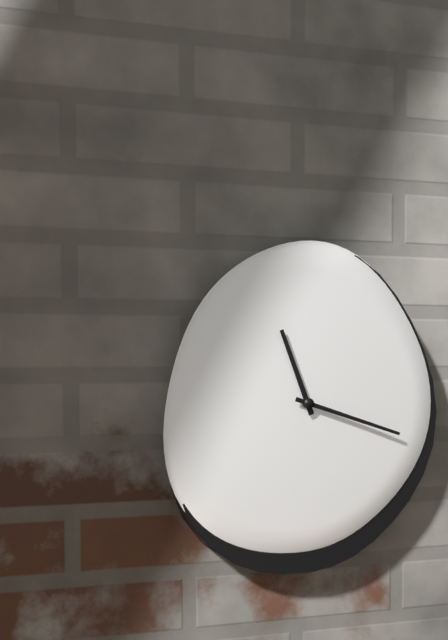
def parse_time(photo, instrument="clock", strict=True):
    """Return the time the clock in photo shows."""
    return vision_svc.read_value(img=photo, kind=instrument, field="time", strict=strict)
11:18
